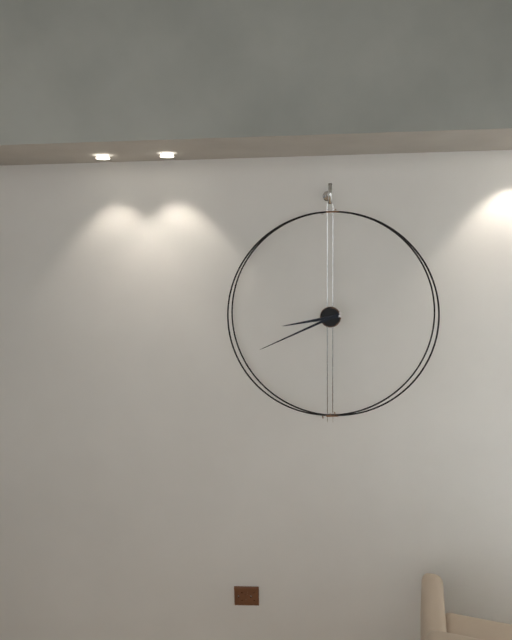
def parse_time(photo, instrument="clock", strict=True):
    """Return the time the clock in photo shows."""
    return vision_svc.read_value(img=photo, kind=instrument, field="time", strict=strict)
8:41
